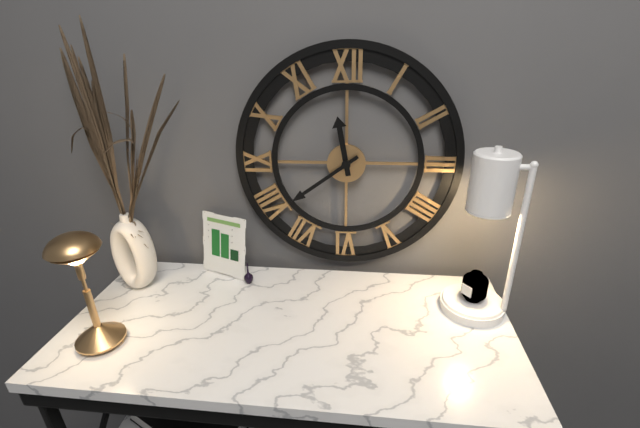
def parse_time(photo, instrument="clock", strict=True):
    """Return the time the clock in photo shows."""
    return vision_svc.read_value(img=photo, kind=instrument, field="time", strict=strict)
11:39
